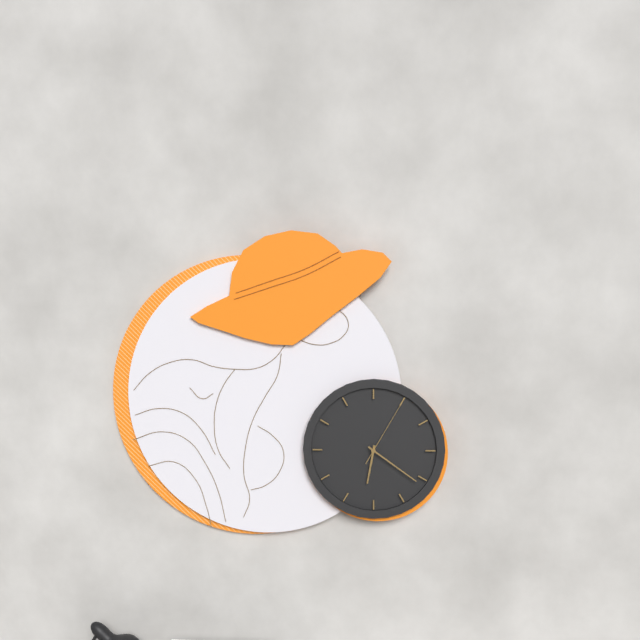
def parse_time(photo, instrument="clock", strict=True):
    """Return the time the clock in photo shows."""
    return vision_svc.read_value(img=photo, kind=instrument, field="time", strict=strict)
6:21:05
